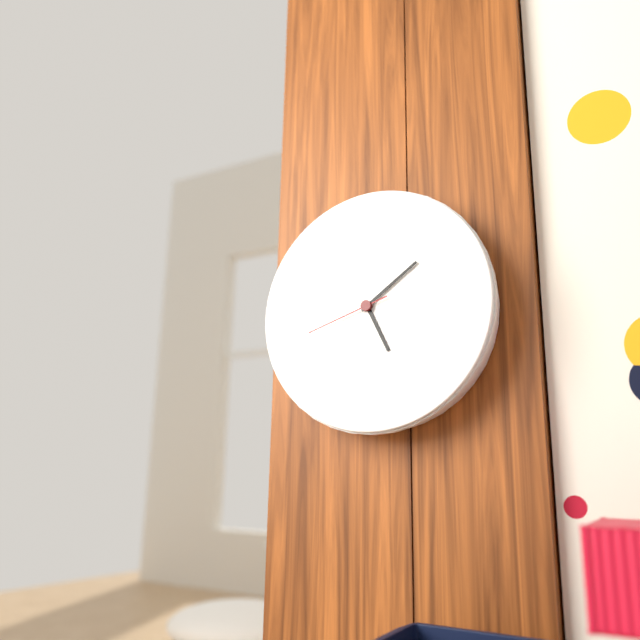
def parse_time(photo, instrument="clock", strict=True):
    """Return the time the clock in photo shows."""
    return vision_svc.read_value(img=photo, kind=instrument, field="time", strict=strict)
5:09:42
